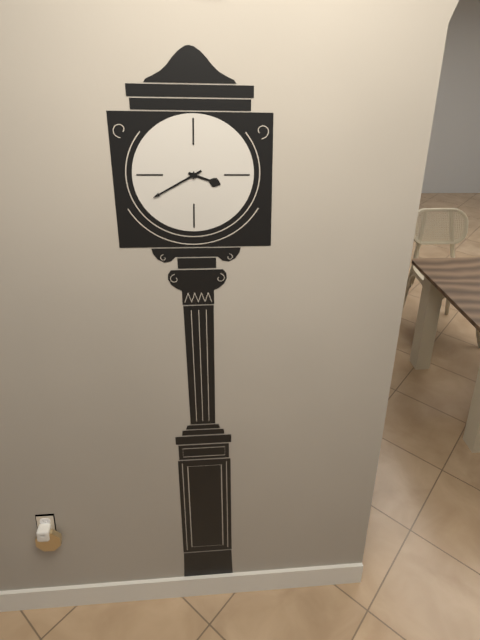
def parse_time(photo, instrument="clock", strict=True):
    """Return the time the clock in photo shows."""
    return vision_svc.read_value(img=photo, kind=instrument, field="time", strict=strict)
3:40
